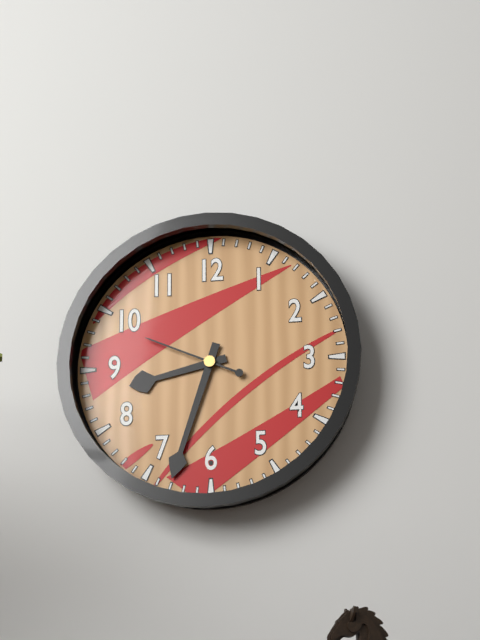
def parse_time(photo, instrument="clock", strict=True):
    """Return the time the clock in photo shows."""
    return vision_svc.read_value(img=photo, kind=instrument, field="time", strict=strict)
8:33:49
